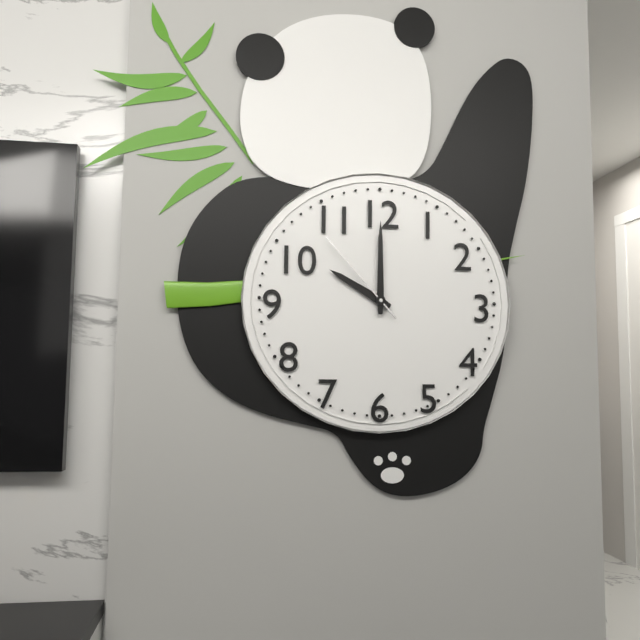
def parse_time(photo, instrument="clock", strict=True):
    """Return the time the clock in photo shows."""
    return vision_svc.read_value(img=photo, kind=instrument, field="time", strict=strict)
10:00:53
